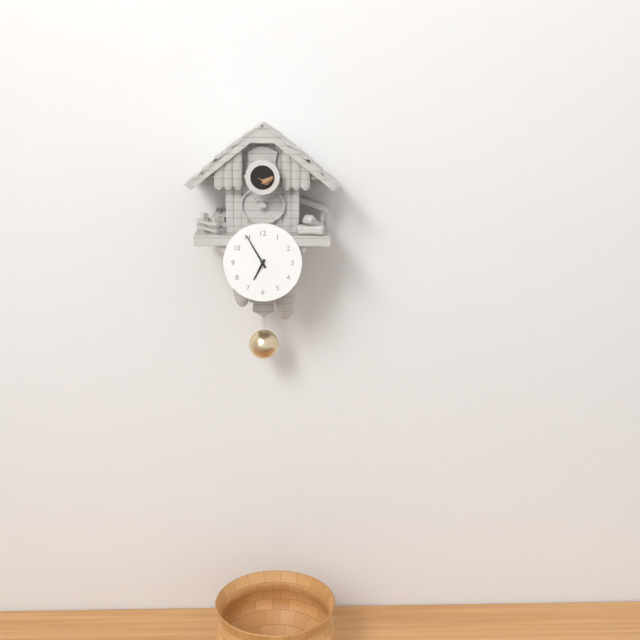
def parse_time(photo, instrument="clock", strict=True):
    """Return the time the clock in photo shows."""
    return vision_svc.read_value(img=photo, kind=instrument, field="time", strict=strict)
6:55
